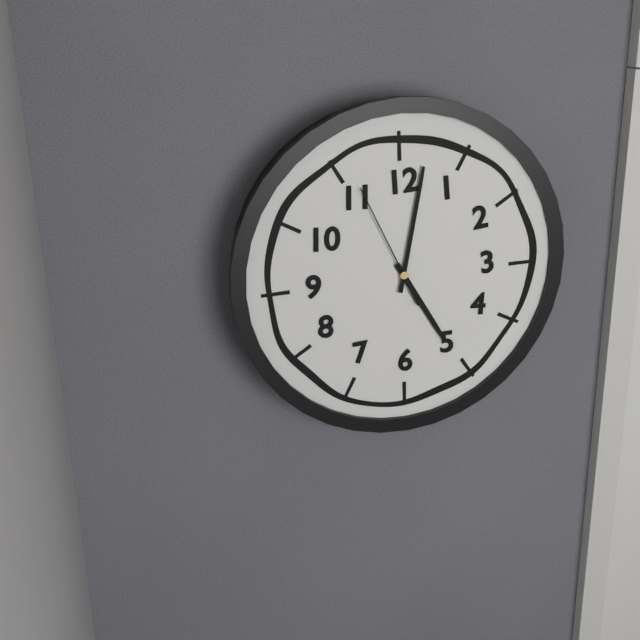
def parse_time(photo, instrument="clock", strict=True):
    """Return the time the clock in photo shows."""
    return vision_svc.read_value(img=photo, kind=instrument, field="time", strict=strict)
5:02:56
